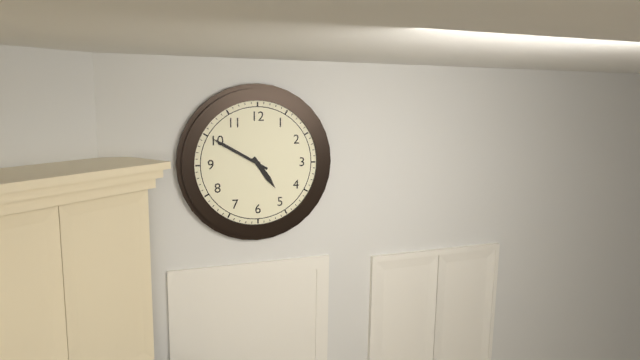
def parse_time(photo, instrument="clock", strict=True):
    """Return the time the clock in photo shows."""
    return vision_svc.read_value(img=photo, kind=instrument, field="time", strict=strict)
4:50
